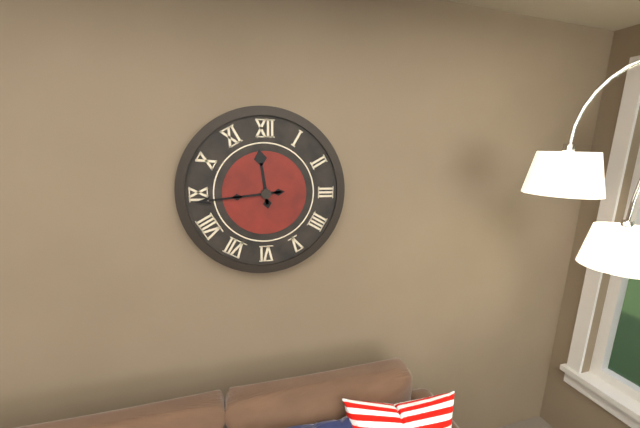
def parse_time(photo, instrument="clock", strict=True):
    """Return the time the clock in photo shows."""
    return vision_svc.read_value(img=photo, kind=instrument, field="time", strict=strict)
11:44
